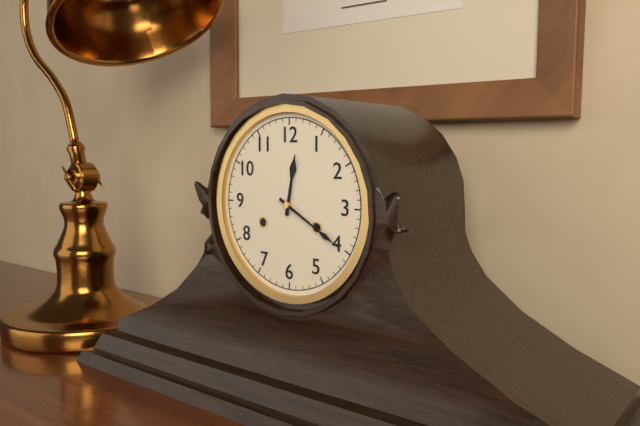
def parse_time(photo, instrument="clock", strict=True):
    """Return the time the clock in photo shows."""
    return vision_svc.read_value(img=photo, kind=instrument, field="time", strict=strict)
12:20
